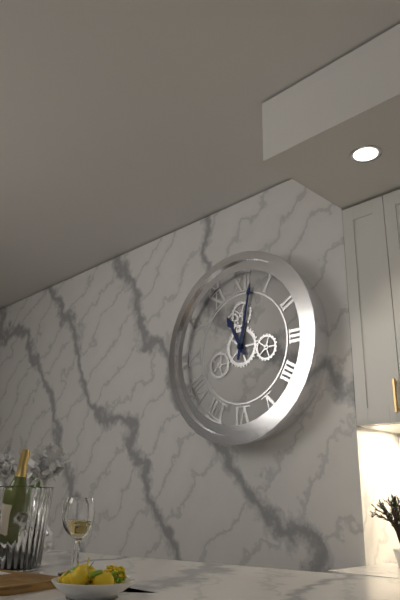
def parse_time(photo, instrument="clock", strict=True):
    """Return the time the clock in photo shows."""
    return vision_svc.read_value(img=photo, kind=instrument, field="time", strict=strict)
11:02
